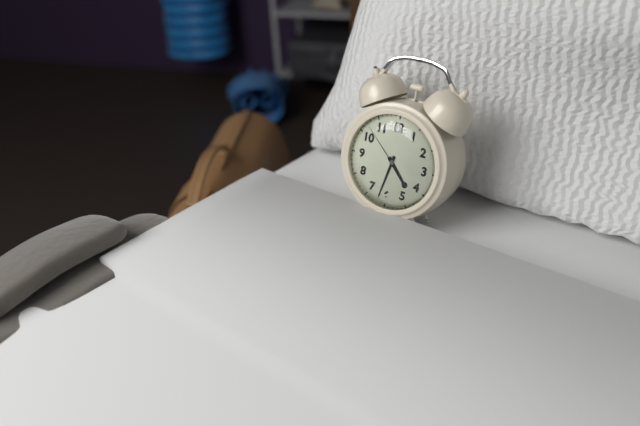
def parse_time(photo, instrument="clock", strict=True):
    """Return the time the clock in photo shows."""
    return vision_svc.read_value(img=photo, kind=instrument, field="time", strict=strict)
4:32:52
